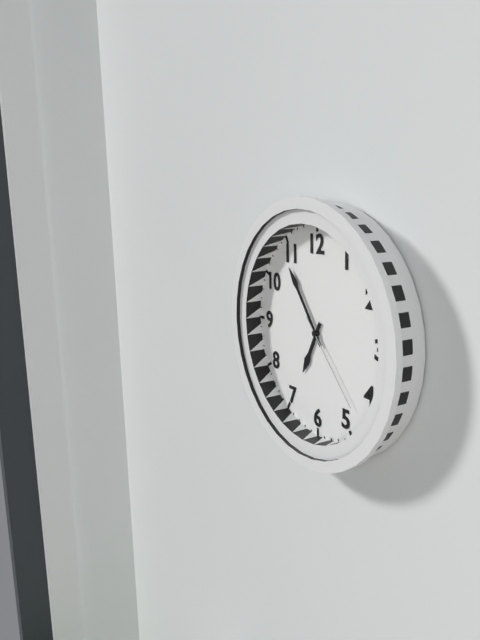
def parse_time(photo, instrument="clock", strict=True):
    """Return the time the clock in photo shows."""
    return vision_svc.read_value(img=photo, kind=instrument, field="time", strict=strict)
6:54:23
